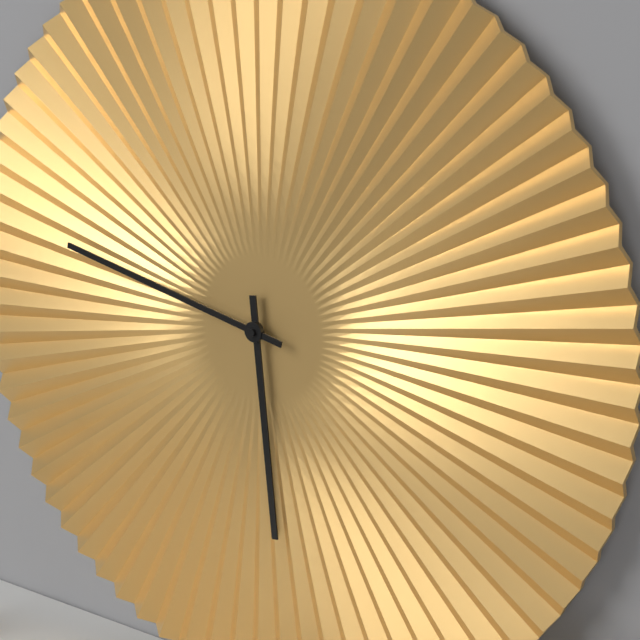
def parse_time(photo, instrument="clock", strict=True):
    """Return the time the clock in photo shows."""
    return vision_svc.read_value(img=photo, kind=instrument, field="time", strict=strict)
5:47
